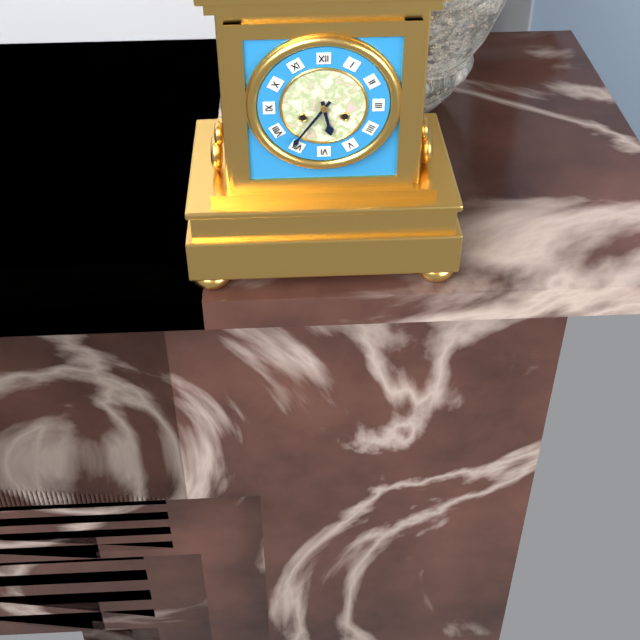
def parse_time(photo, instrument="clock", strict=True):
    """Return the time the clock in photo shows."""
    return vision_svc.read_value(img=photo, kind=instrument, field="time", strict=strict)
5:36
